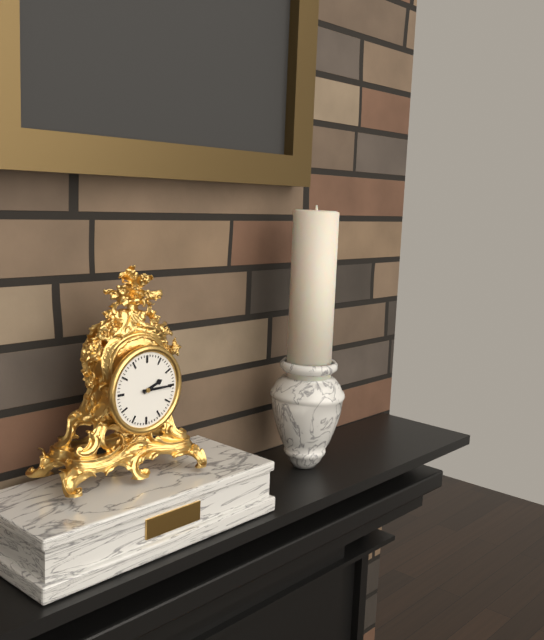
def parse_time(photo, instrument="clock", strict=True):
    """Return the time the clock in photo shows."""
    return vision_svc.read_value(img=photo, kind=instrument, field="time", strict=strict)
2:15
